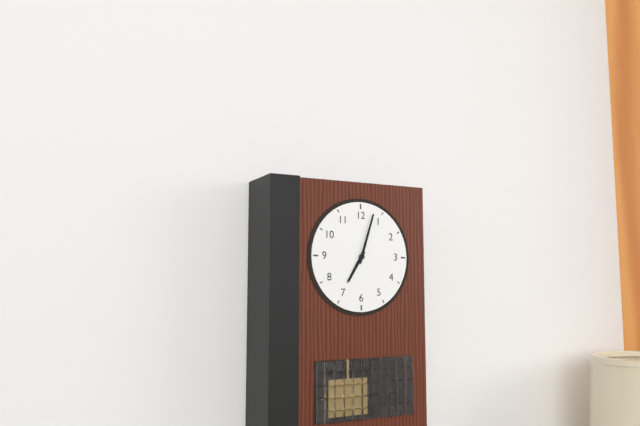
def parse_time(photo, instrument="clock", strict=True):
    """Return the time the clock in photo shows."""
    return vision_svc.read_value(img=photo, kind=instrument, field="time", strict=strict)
7:03
